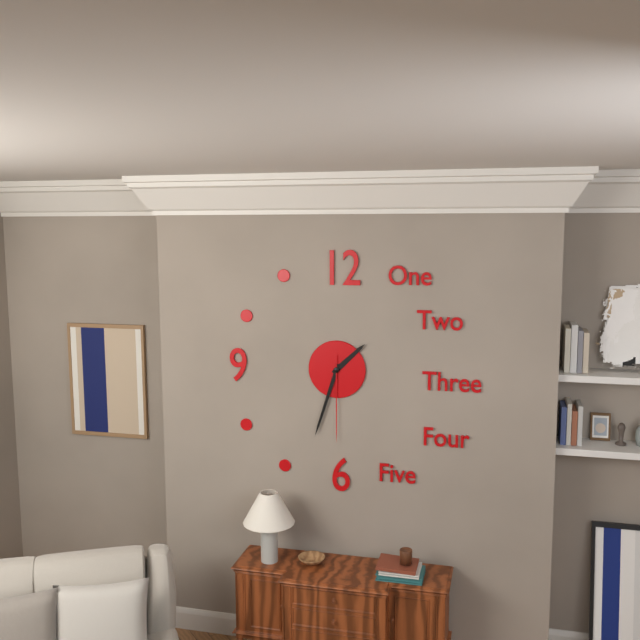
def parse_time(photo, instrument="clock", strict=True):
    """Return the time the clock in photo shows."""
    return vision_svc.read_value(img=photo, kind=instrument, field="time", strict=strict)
1:33:30
